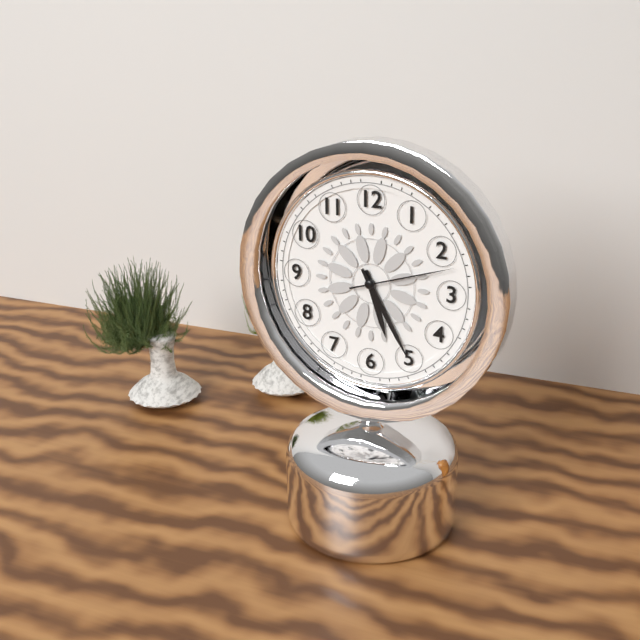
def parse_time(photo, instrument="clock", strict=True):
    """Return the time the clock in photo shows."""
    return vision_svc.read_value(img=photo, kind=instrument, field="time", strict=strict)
5:25:12
